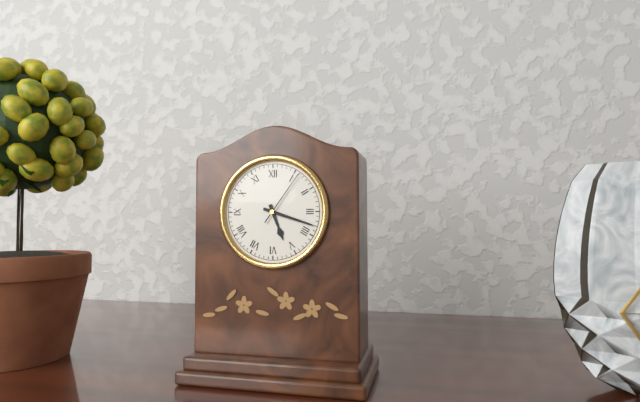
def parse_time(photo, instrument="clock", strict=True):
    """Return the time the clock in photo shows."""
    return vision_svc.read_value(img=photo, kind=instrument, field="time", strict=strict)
5:18:06
